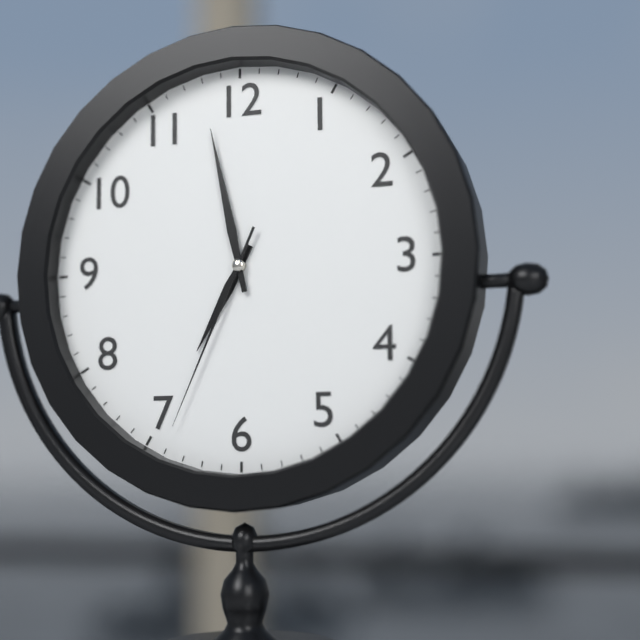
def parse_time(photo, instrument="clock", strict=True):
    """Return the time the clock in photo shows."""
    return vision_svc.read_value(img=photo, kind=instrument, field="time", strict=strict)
6:58:34
